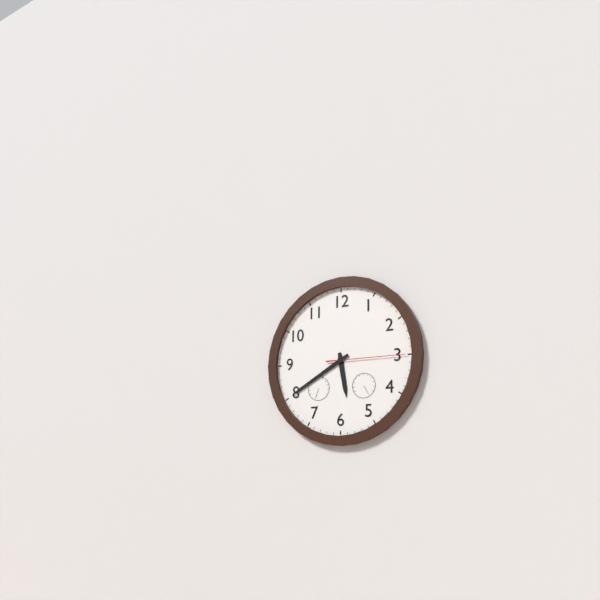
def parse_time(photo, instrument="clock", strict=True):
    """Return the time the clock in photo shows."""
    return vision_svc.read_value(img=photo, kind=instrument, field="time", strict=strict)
5:40:15
